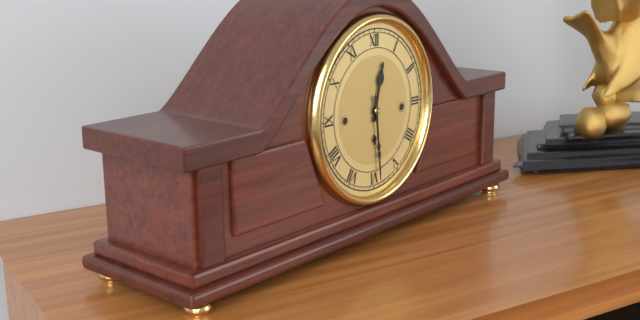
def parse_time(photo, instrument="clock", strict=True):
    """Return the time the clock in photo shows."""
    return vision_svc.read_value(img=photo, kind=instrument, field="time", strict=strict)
12:29
